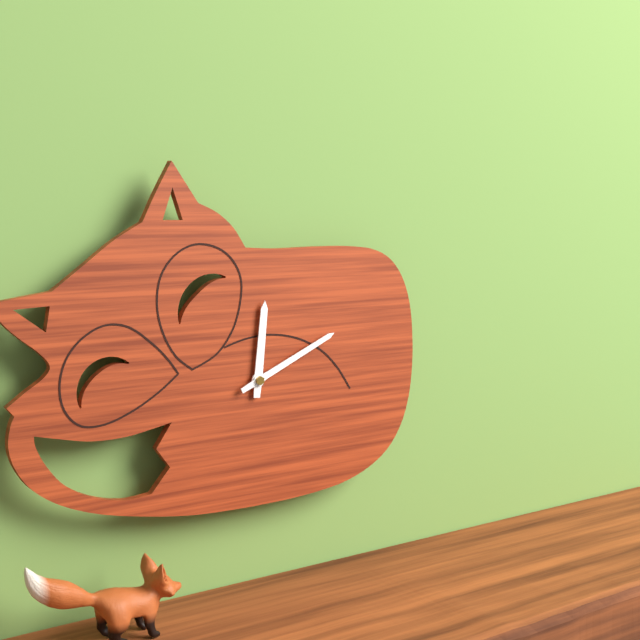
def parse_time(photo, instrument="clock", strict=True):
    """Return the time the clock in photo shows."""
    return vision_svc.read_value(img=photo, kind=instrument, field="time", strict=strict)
12:11
